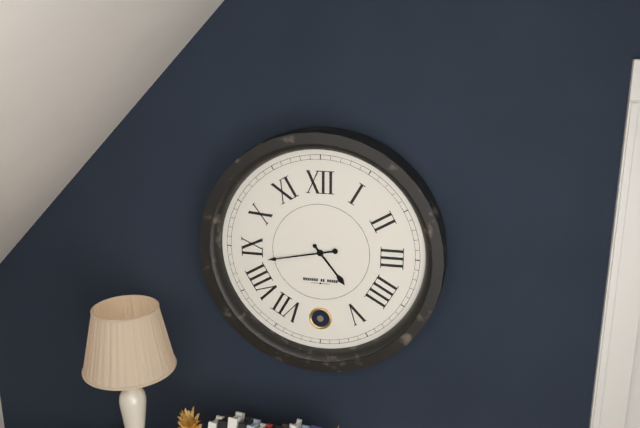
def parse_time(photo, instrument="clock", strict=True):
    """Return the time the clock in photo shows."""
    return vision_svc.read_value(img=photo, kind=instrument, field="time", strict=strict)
4:43
